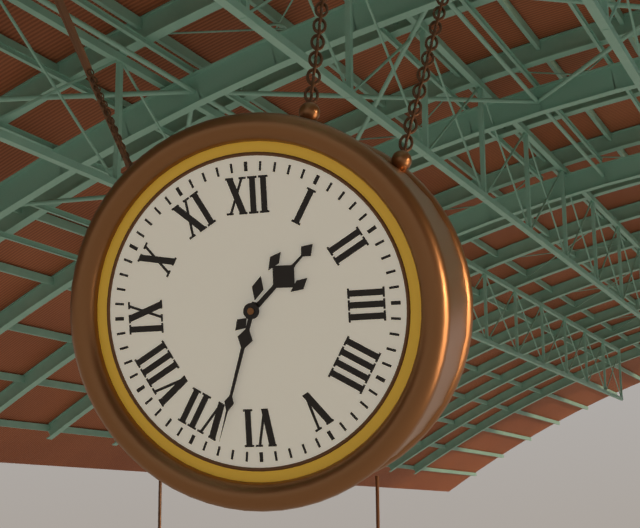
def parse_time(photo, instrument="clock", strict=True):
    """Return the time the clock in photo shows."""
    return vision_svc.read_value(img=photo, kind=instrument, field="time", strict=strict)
1:33
